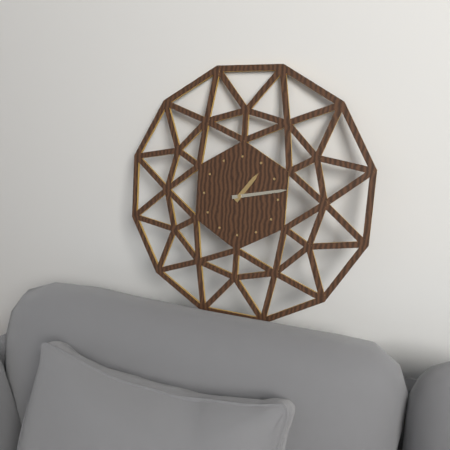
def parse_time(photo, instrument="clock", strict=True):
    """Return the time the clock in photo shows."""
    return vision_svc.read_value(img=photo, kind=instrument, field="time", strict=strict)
1:13
